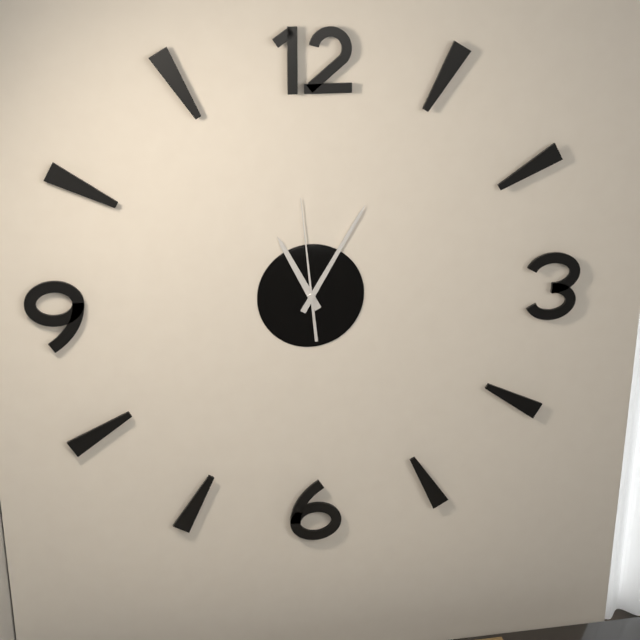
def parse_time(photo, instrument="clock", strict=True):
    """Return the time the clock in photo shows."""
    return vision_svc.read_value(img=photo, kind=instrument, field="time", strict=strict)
11:05:59
